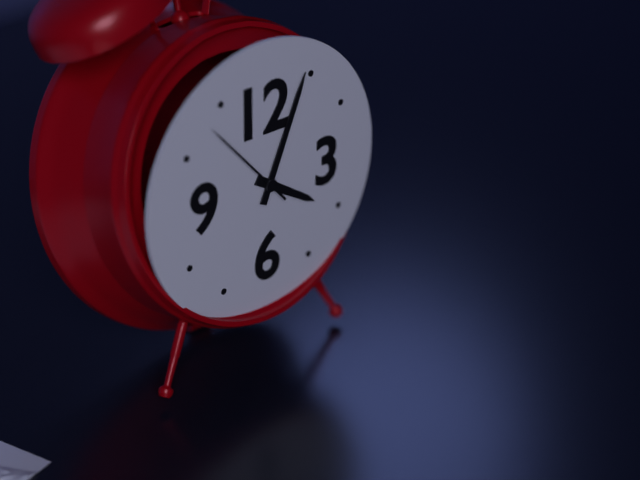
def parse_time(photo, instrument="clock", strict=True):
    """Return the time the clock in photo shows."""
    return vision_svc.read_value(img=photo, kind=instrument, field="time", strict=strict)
4:04:53
